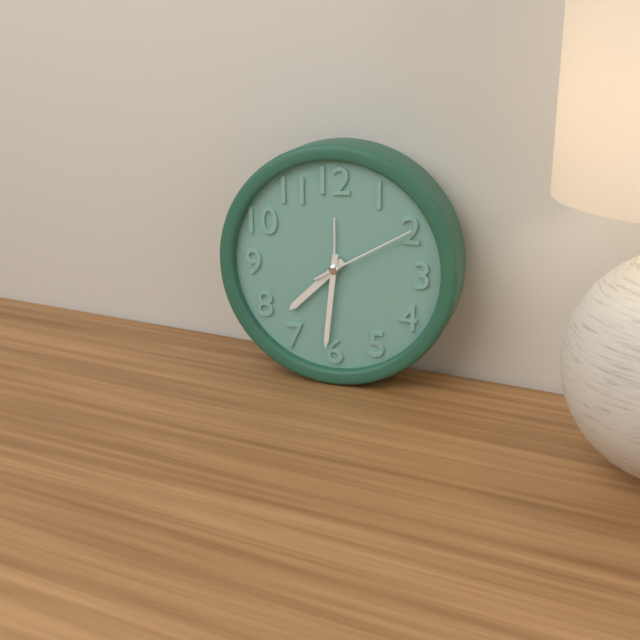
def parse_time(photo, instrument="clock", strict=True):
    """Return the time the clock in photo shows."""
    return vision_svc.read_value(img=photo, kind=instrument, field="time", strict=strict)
7:31:10
